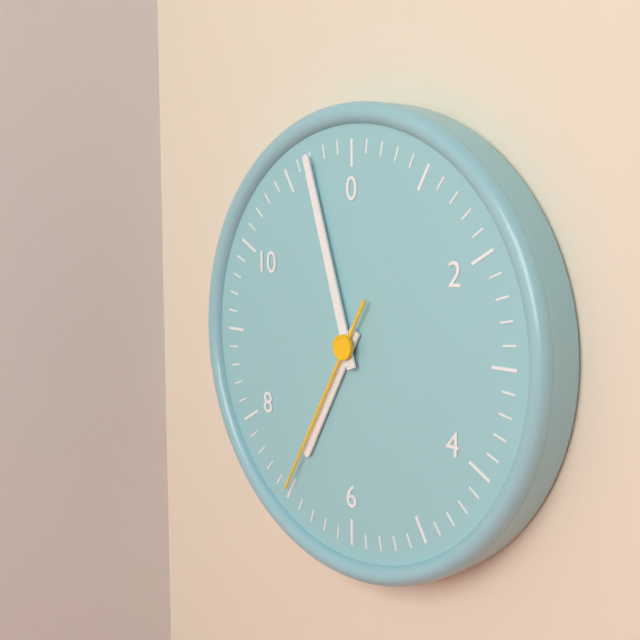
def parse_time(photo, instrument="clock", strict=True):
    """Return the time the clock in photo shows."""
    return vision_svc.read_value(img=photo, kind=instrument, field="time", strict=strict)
6:57:35
